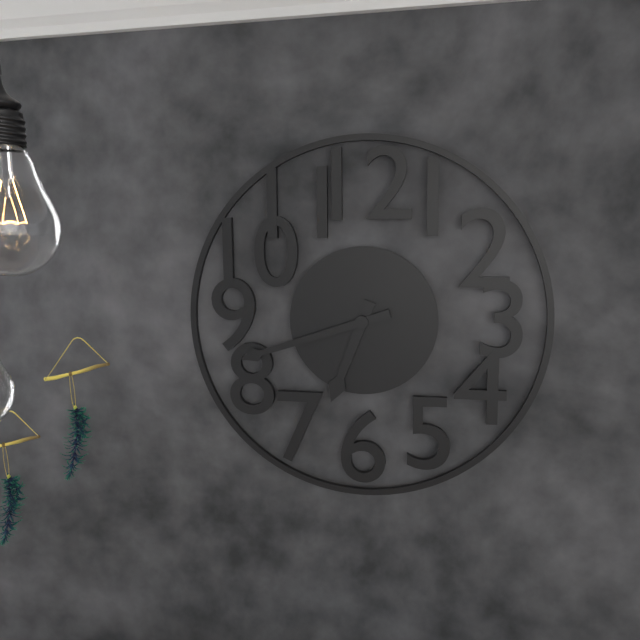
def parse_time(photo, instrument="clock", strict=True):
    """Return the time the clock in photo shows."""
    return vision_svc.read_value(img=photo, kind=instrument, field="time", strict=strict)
6:42
